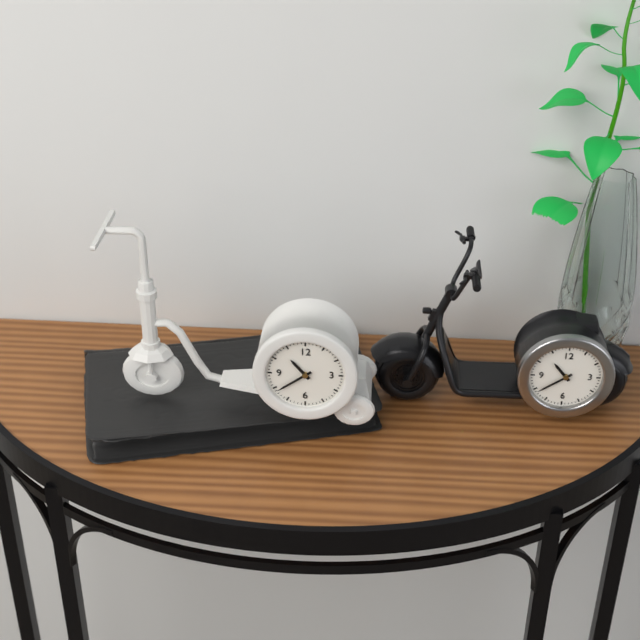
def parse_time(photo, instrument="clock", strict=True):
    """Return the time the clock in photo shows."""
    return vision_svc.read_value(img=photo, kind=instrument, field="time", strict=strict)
10:39
